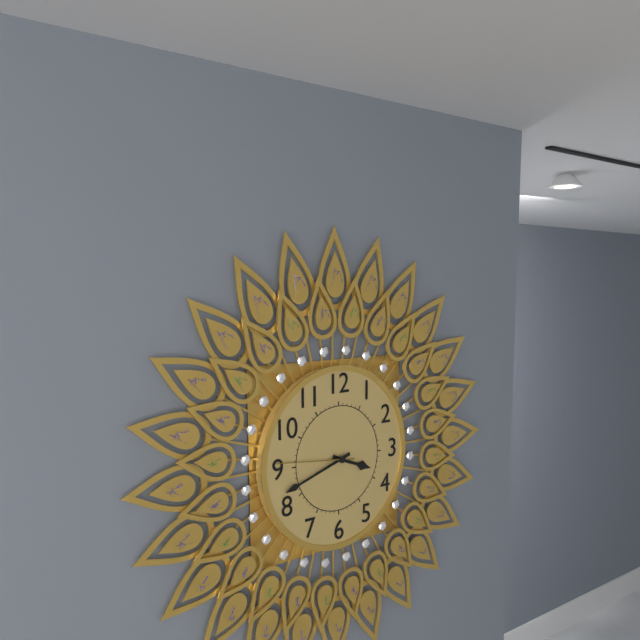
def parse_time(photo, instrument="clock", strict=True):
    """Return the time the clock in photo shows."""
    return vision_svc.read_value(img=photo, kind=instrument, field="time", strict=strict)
3:42:46
